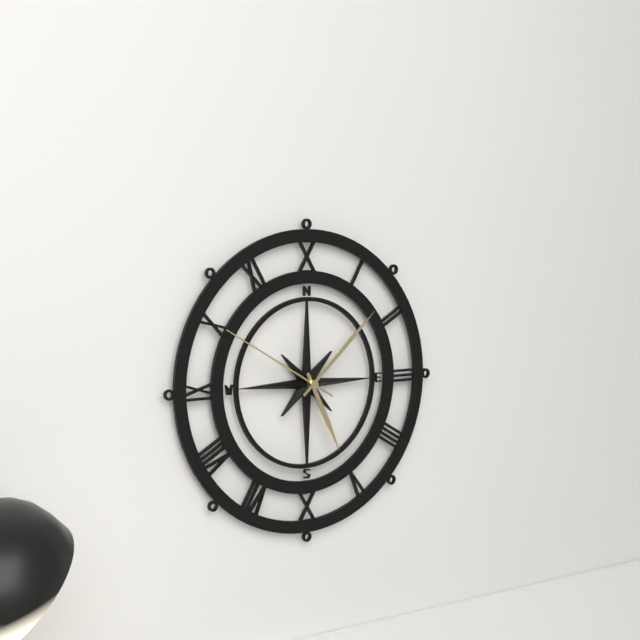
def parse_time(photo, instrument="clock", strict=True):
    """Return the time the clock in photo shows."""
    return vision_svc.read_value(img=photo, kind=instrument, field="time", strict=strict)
5:08:50
